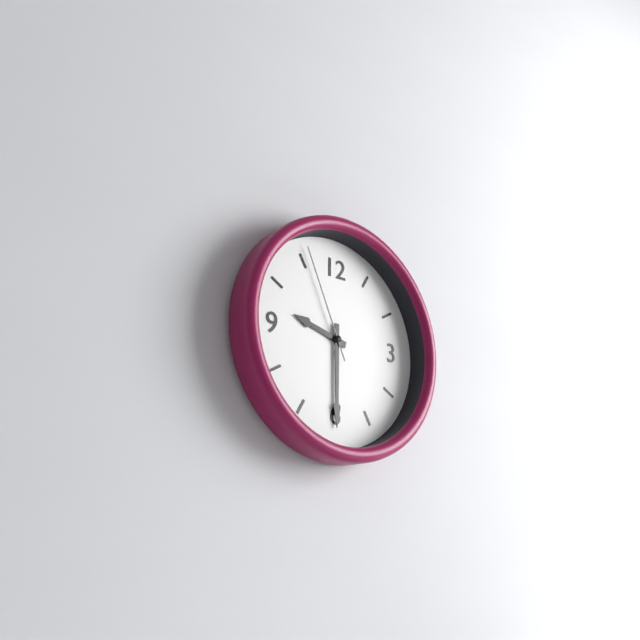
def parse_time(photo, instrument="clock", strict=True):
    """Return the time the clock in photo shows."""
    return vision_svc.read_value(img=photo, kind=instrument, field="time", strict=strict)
9:30:56
